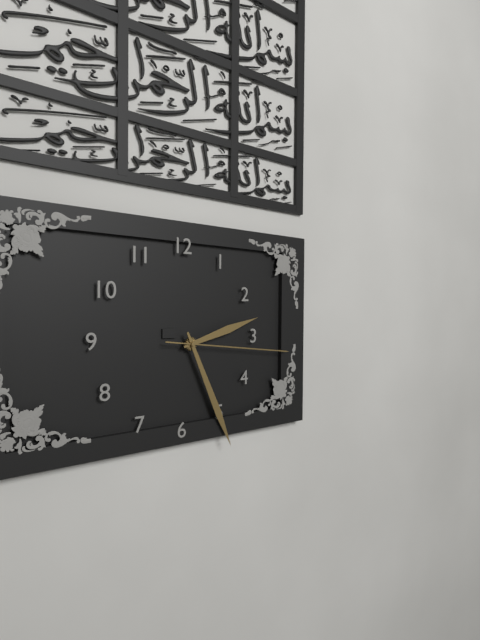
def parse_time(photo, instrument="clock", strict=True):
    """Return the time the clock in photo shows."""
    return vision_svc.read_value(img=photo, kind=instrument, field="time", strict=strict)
2:26:16
